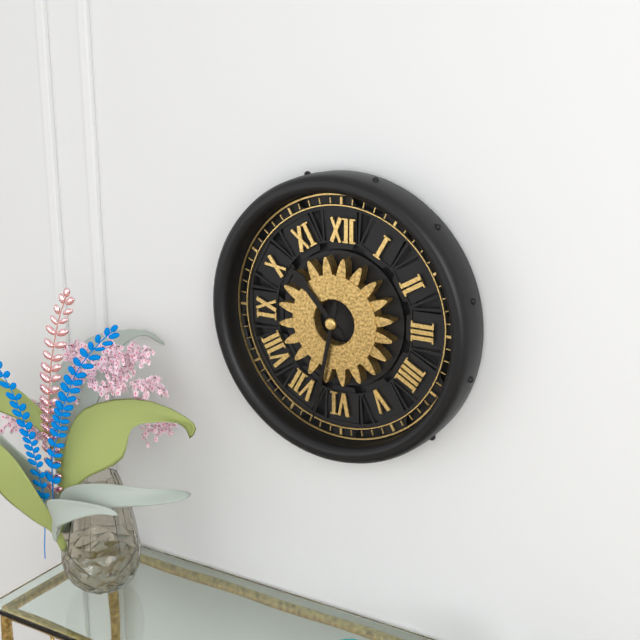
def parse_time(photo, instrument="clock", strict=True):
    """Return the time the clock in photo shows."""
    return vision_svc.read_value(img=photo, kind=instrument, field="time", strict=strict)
10:32
